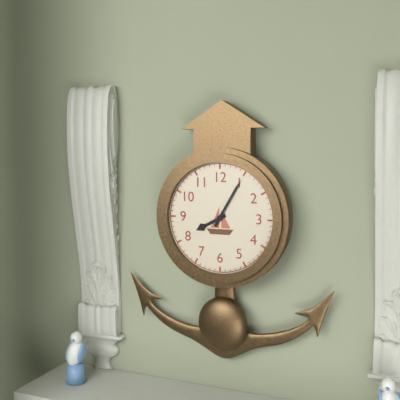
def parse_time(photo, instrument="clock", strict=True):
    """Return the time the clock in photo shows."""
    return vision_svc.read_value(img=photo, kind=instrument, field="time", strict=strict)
8:05
